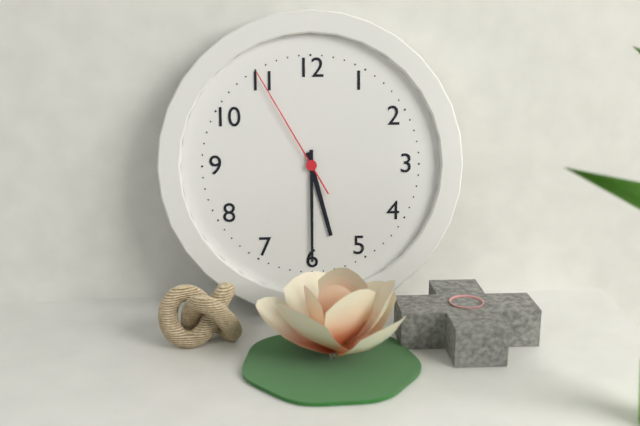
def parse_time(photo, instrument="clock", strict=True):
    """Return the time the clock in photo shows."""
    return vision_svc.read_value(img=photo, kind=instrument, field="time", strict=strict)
5:30:55
